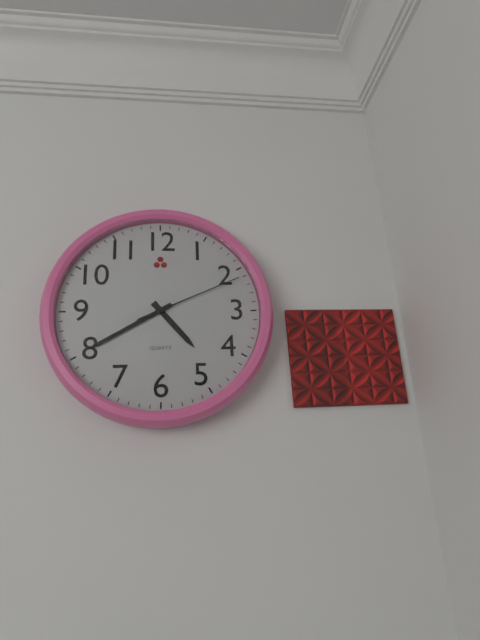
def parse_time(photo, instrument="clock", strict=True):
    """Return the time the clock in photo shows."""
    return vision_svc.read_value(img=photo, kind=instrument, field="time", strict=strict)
4:40:11
